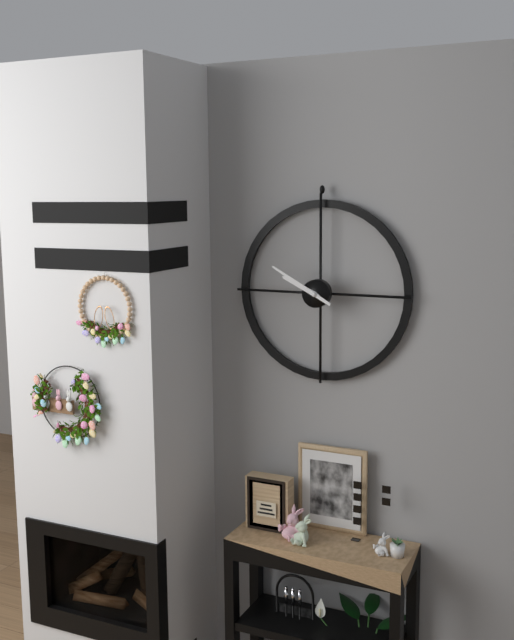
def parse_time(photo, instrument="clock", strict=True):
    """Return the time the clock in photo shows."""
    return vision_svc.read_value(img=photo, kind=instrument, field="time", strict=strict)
9:50
